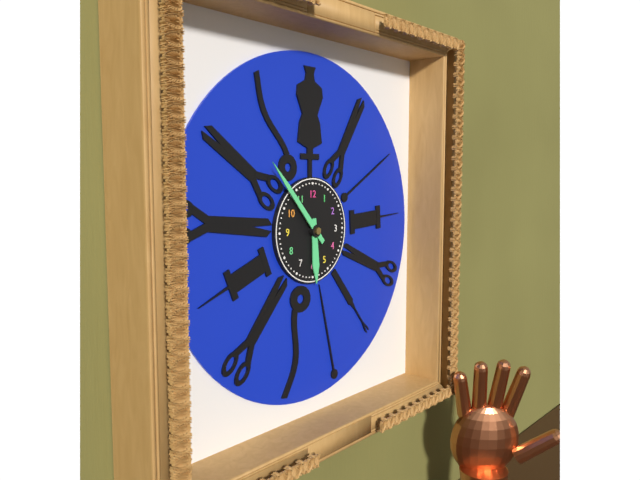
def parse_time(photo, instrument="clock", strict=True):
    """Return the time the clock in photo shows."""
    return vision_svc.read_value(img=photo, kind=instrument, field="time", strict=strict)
5:53
